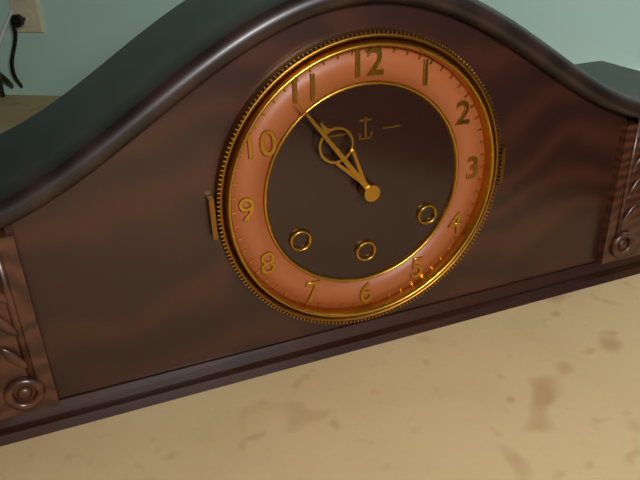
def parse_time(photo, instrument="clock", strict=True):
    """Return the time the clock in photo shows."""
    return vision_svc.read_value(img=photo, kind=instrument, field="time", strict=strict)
10:54
